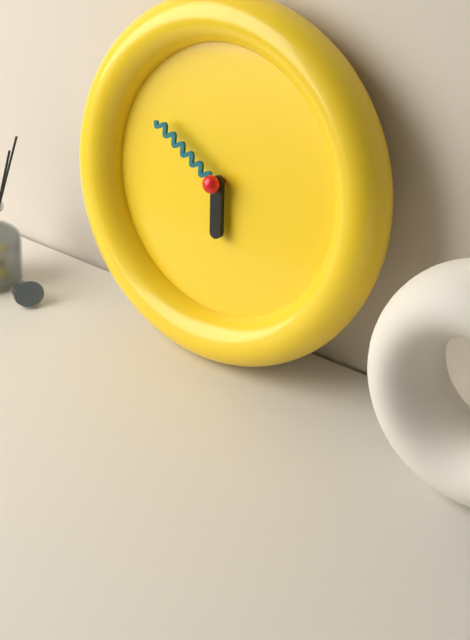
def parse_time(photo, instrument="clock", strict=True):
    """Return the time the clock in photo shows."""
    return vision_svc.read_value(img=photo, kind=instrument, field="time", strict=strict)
5:50
